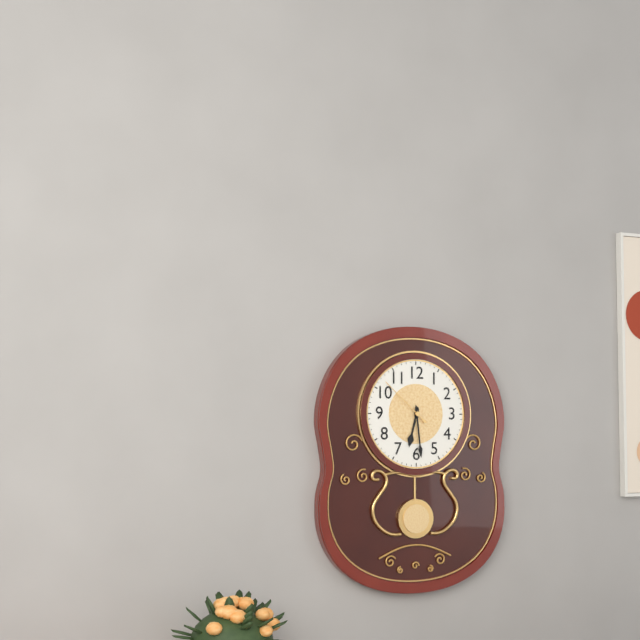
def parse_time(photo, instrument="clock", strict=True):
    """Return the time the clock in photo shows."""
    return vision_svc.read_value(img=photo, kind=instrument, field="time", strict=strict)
6:29:52
